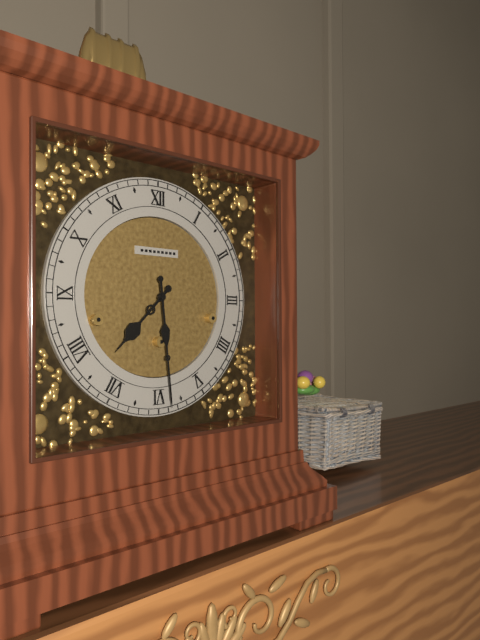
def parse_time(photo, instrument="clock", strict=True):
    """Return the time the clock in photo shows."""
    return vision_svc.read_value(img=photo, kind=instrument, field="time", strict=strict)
7:29
